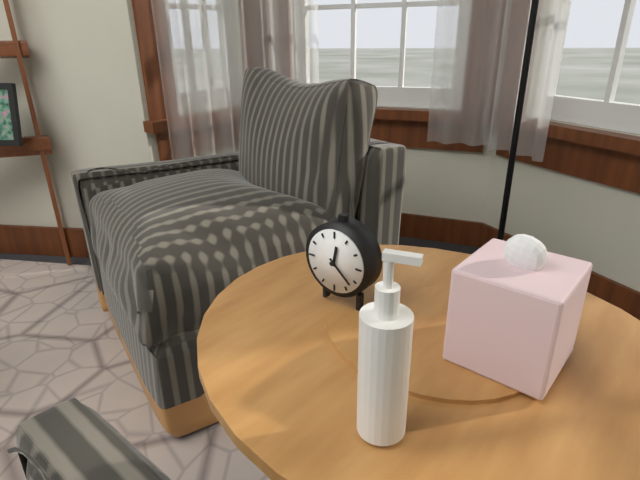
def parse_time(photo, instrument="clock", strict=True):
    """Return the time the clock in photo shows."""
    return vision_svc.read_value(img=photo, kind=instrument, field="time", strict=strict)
12:22
